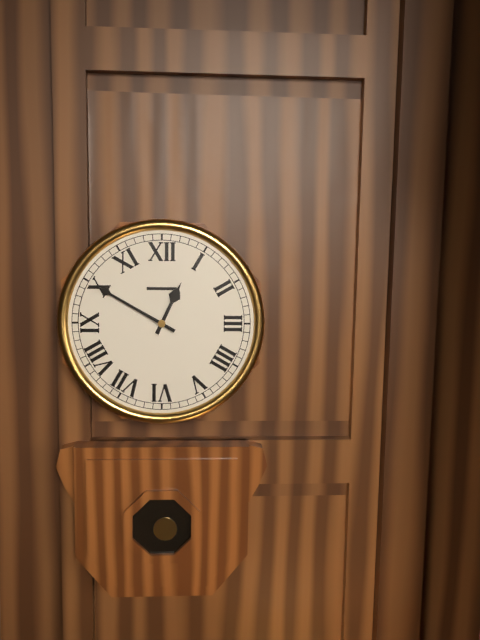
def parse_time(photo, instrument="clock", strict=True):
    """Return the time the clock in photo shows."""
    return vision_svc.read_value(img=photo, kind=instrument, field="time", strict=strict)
12:50
